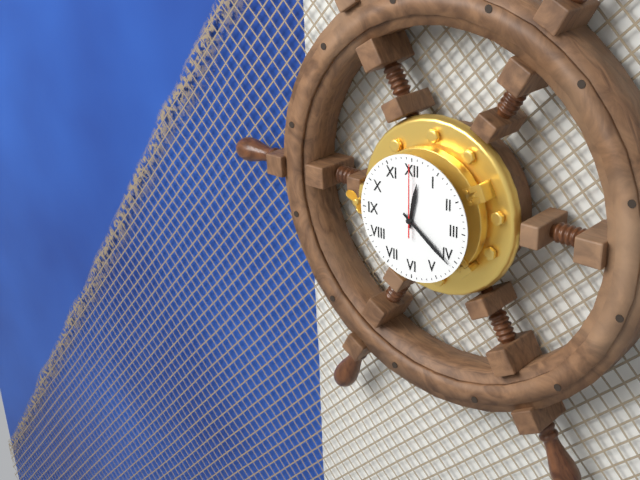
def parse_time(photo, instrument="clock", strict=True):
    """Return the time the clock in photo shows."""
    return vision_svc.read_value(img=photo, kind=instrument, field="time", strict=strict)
12:21:00
